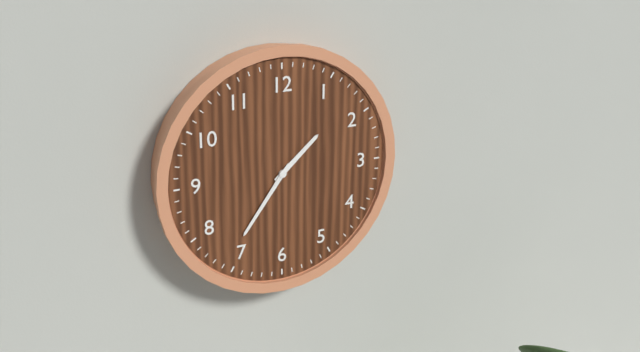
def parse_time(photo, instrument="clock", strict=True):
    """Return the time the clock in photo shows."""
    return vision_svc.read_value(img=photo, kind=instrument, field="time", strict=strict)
1:36
